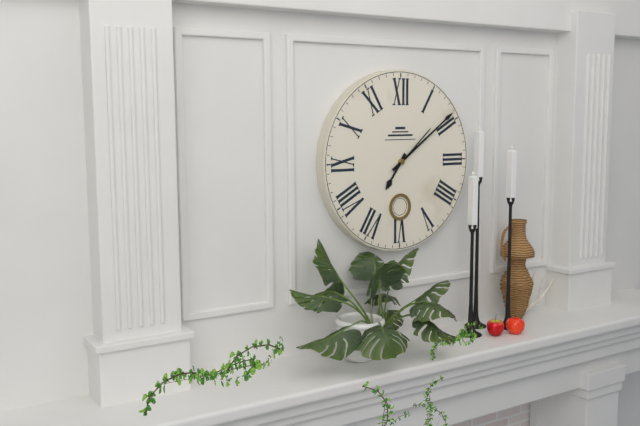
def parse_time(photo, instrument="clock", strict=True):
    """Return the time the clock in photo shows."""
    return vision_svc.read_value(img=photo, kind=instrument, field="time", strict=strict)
7:09:08
